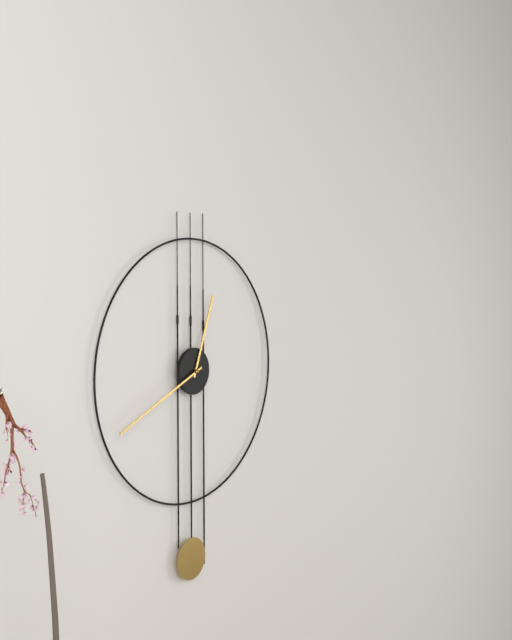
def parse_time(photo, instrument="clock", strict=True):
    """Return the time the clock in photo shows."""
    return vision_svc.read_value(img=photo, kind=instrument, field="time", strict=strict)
12:41
